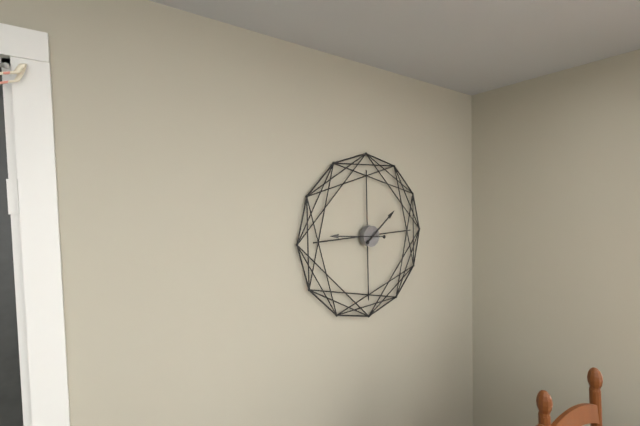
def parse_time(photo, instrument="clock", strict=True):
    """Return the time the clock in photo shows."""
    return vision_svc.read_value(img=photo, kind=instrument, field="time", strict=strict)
1:46
